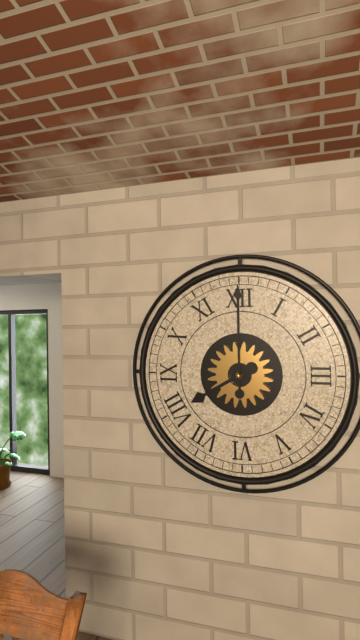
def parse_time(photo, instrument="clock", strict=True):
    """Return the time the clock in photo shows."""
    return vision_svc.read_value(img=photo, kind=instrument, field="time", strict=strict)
8:00
